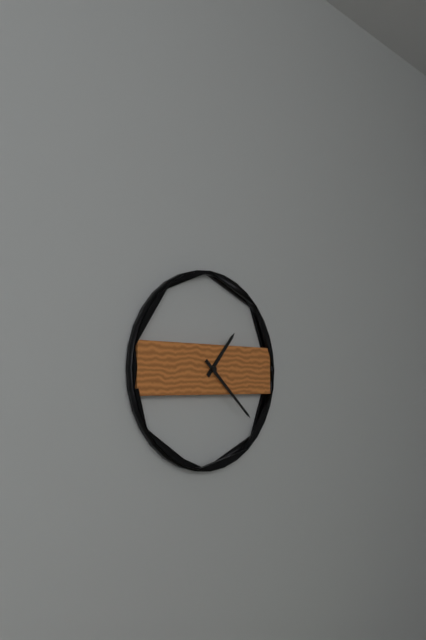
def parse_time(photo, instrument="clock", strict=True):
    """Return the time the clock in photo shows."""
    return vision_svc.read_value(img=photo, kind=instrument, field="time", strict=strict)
1:22
